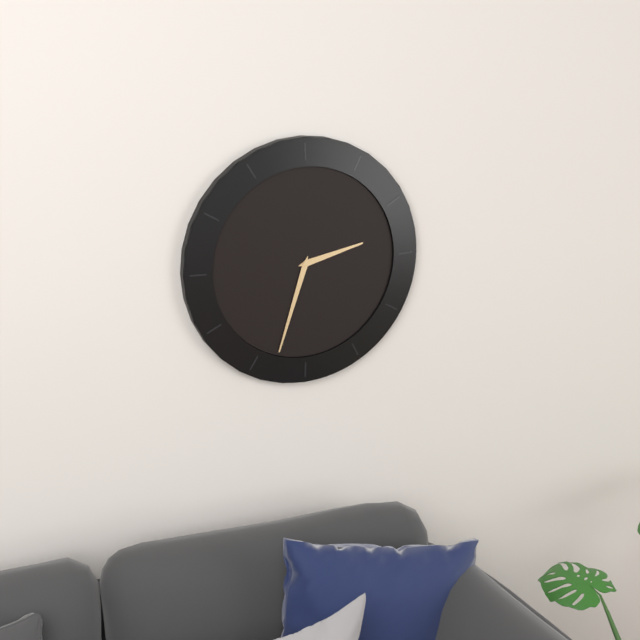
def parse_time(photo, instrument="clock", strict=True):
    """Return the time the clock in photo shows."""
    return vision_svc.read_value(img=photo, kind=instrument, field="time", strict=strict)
2:33
